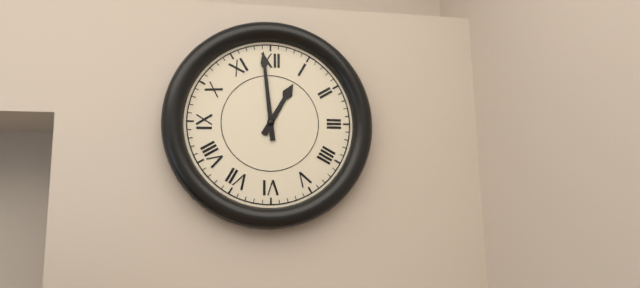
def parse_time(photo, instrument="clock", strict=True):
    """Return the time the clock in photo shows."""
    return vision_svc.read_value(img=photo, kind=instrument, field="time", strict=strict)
12:59
